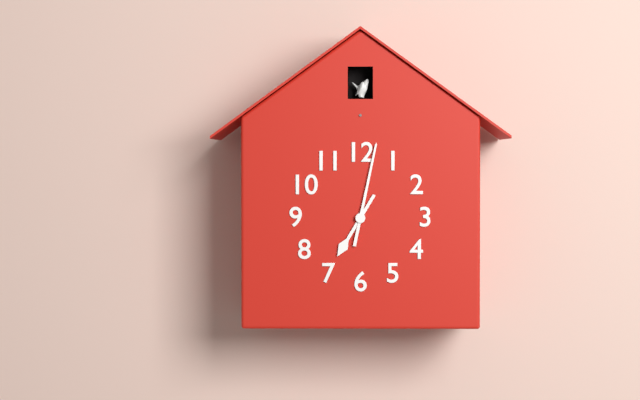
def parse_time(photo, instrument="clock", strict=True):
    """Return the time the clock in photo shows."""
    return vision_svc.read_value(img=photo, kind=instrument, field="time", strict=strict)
7:02
